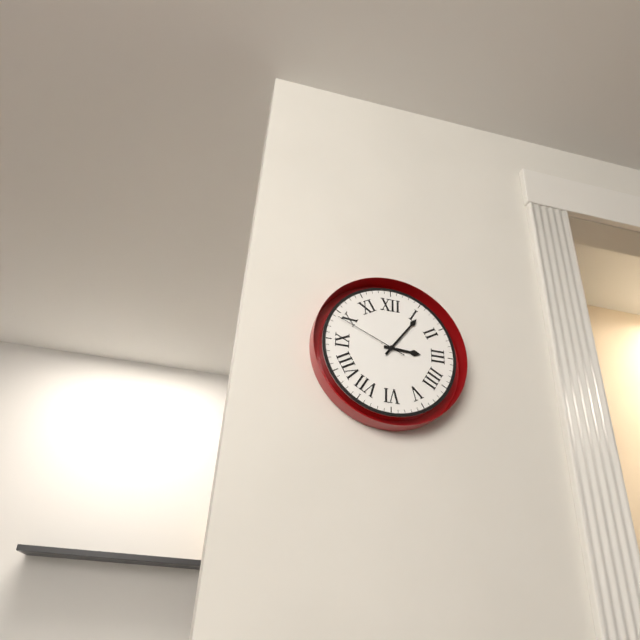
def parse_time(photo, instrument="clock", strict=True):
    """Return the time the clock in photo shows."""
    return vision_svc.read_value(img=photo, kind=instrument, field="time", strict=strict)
3:06:49
